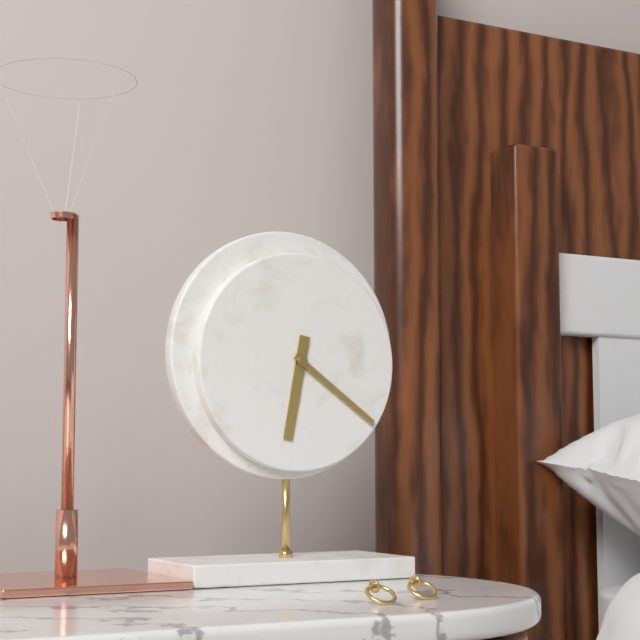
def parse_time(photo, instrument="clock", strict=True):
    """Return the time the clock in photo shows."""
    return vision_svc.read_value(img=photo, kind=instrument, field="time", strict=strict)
6:21
